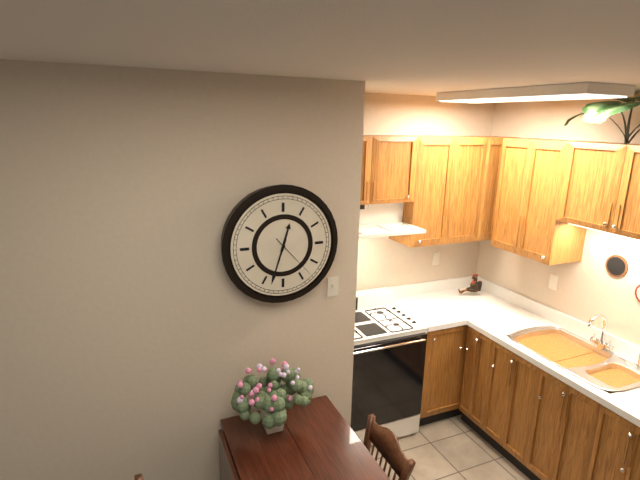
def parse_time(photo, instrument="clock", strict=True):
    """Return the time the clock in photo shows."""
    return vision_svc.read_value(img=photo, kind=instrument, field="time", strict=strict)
12:33
